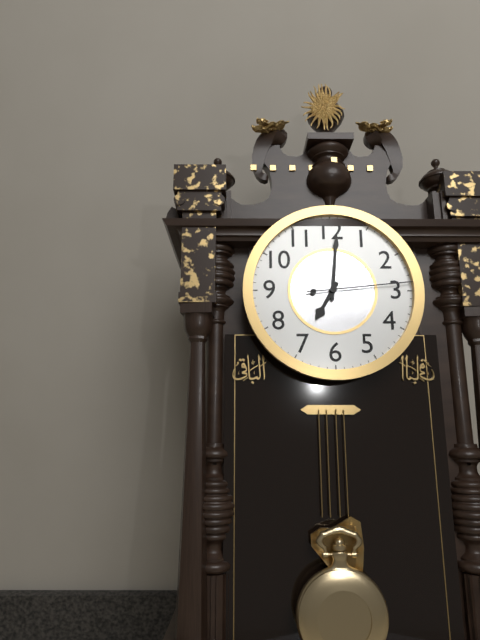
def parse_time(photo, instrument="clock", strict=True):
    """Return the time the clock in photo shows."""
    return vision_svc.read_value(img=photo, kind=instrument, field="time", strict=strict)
7:01:14
